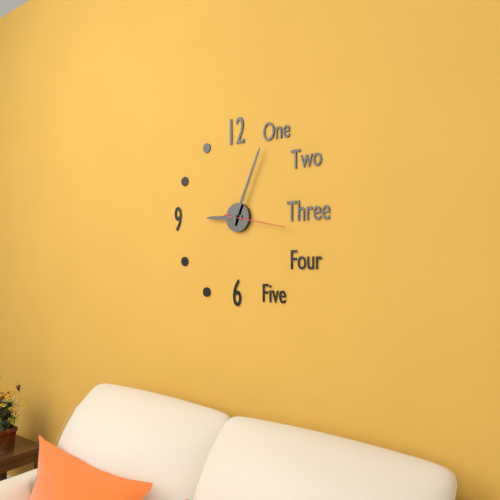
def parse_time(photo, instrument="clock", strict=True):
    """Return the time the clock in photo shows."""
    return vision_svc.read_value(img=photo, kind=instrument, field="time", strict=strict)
9:04:17
